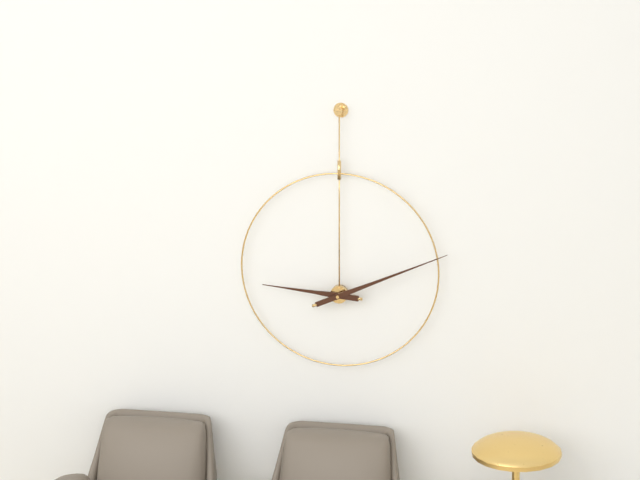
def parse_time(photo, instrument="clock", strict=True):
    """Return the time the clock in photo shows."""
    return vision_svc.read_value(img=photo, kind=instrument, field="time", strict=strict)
9:11
